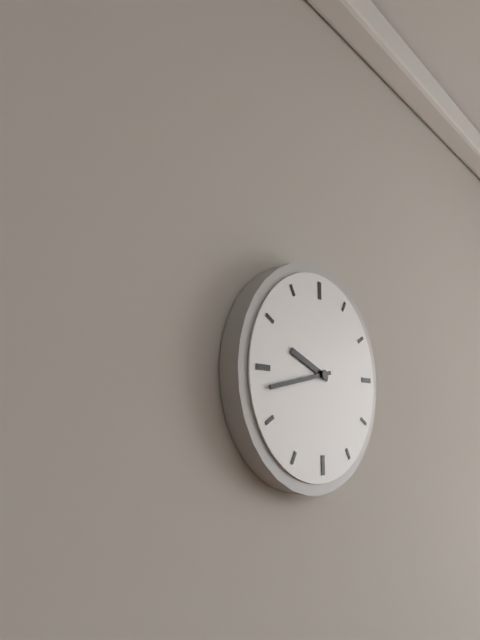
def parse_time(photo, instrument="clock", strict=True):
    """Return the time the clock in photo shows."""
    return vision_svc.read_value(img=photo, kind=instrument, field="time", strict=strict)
9:43
